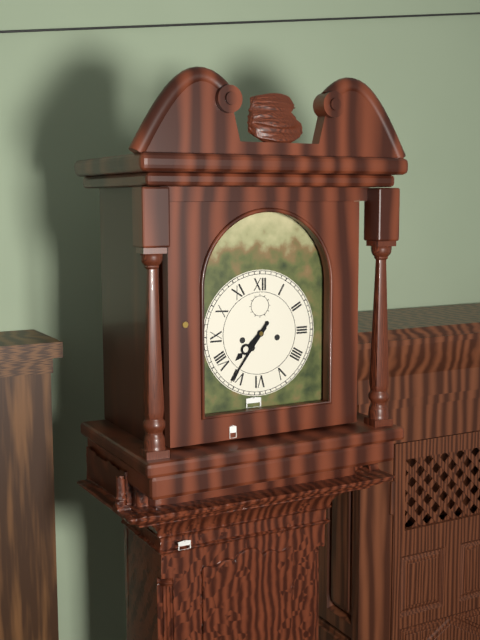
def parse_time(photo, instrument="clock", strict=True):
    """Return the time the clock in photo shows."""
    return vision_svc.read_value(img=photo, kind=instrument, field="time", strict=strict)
7:36
